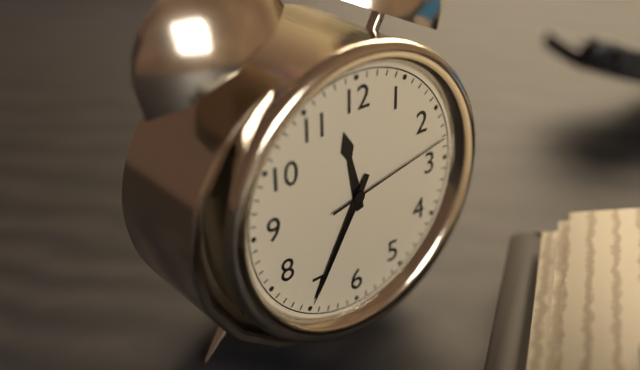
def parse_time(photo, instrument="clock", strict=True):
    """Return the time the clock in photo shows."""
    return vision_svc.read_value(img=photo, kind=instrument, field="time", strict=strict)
11:35:13
